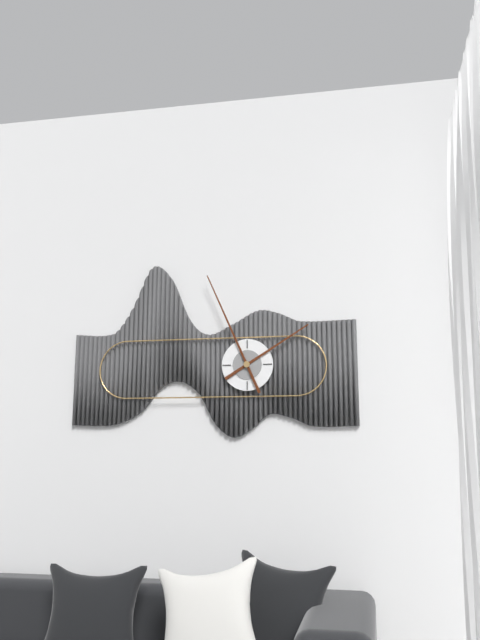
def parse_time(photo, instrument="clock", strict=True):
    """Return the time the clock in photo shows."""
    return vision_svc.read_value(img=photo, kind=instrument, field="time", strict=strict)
1:56
